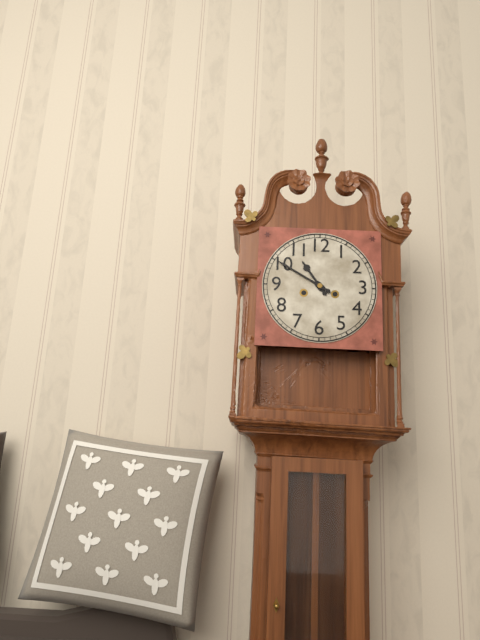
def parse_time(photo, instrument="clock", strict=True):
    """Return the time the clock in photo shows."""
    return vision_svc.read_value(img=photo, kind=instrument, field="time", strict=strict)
10:50
